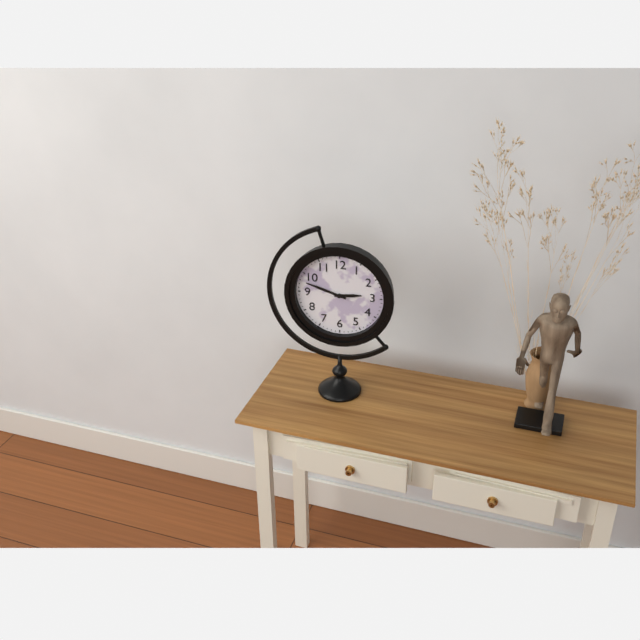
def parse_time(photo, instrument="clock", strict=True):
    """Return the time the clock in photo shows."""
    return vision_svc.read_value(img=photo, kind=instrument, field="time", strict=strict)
2:48
